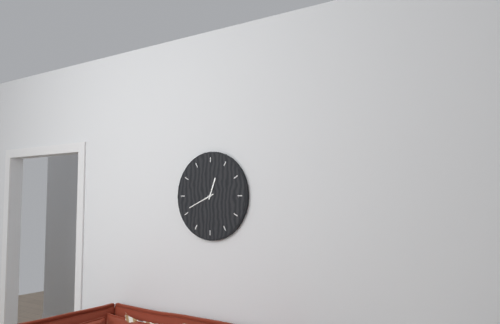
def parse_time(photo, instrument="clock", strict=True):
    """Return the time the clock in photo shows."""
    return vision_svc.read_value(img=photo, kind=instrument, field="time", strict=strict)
12:41
